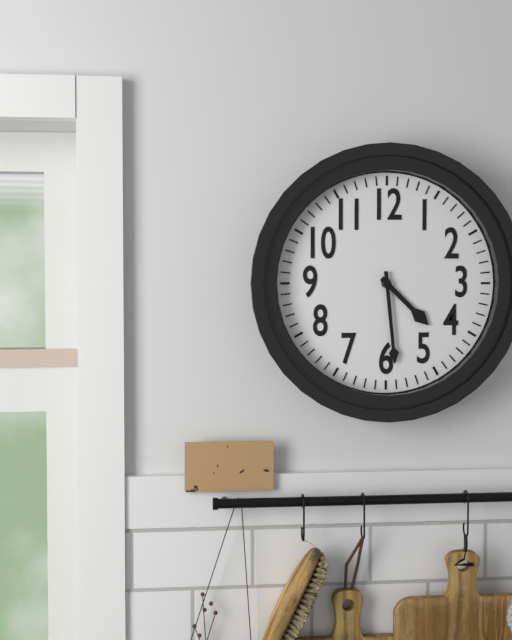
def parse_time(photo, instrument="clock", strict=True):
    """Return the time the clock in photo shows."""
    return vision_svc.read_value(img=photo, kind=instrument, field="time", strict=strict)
4:29
